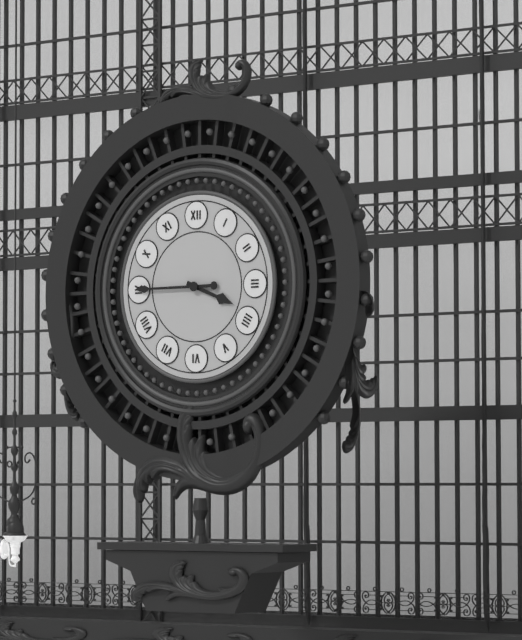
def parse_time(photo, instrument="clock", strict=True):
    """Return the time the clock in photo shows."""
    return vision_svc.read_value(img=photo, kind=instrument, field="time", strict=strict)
3:45
